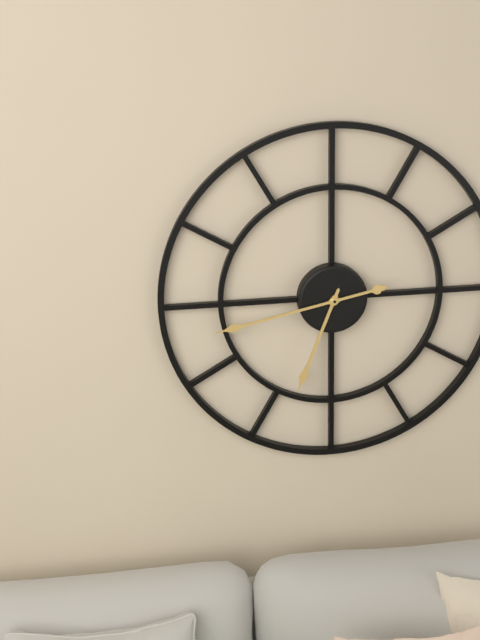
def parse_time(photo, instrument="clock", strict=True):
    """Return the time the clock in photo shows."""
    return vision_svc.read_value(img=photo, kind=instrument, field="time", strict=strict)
6:43
